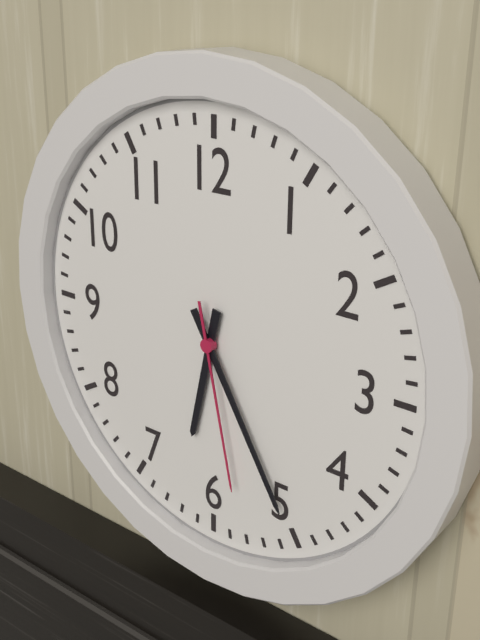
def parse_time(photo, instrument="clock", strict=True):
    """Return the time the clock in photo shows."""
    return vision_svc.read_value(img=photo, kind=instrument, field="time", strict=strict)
6:25:28
